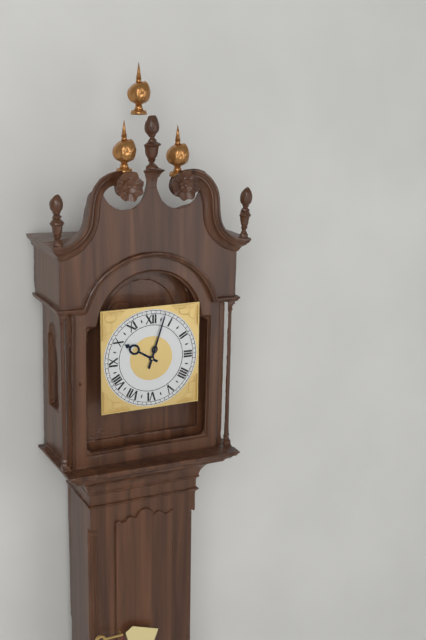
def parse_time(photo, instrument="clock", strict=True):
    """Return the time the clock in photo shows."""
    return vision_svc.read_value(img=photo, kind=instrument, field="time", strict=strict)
10:03
